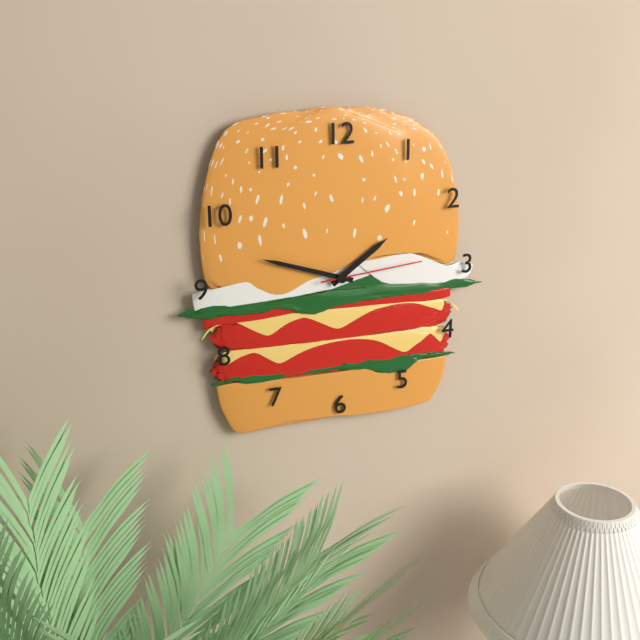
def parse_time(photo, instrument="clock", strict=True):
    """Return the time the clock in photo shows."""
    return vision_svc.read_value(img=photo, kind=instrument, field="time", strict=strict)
1:48:14
